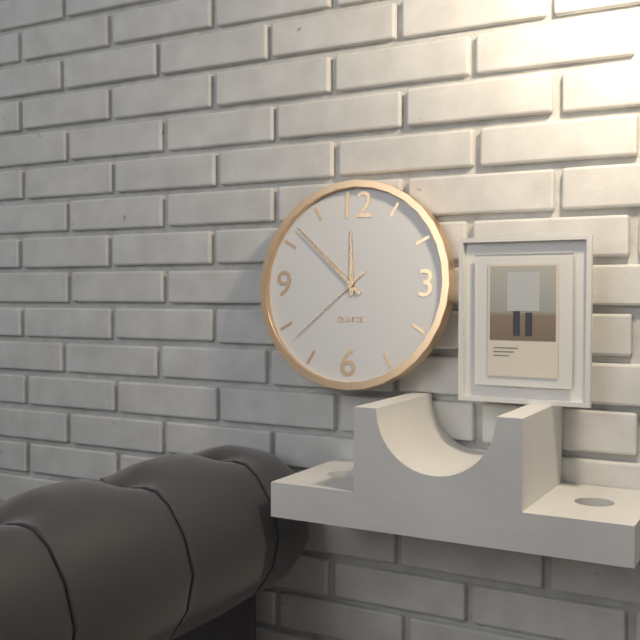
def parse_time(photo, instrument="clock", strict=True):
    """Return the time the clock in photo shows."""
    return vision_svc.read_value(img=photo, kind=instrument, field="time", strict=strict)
11:52:38
